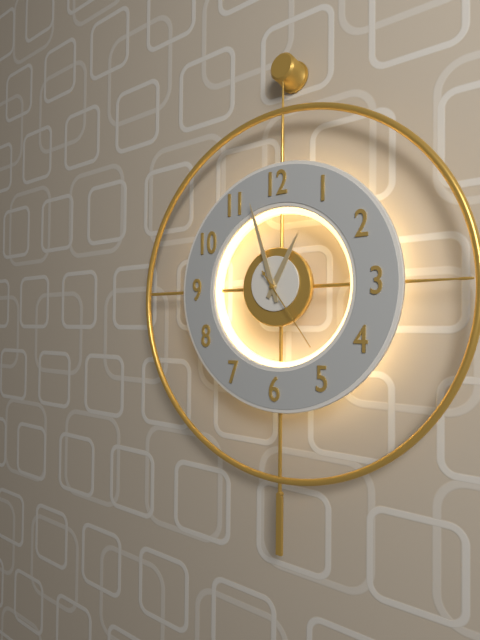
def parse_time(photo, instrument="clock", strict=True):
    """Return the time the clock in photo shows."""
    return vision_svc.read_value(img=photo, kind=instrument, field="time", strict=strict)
12:57:24
